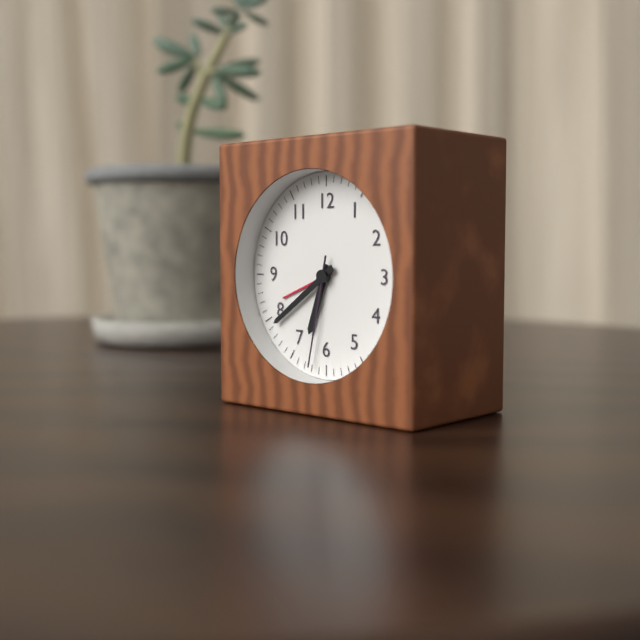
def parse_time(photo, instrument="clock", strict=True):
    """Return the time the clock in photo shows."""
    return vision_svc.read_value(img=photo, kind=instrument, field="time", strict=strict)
6:39:32
